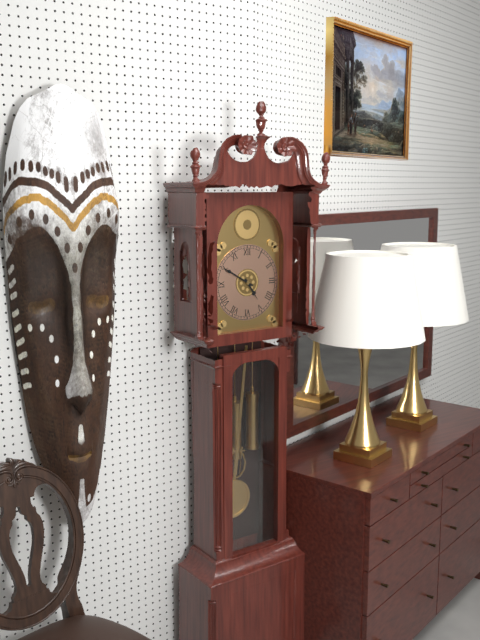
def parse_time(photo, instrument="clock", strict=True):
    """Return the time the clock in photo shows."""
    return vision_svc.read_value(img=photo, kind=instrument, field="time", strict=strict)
4:50
